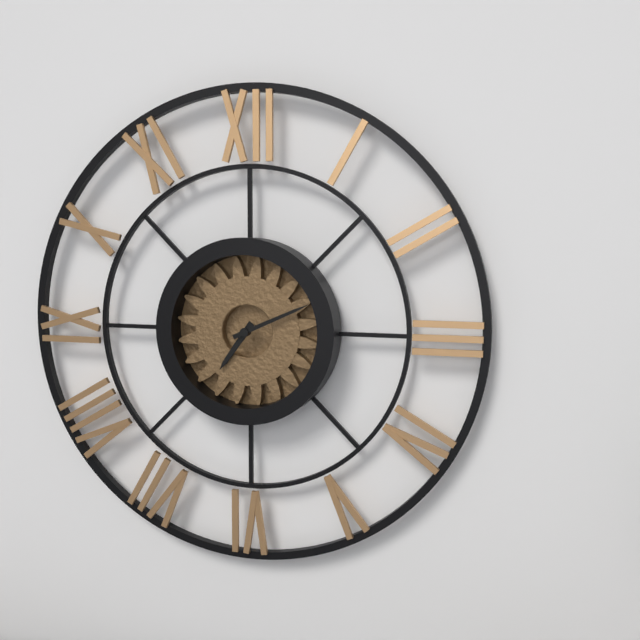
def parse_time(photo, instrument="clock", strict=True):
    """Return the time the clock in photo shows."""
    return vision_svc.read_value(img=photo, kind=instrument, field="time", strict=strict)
7:11
